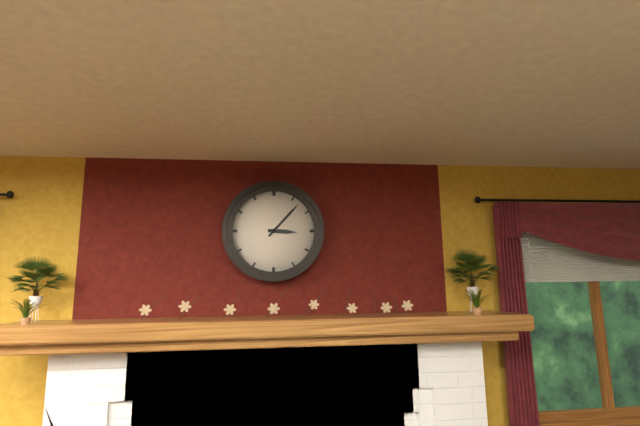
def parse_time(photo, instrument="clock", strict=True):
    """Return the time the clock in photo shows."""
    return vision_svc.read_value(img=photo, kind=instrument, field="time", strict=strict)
3:07
